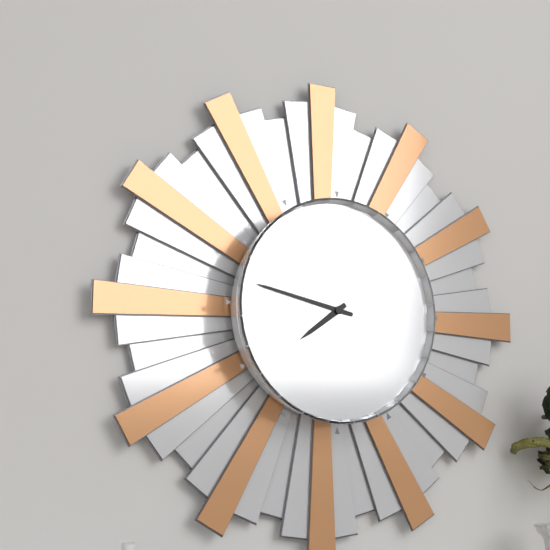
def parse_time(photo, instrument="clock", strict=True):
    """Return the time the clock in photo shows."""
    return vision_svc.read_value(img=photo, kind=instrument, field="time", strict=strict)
7:47
